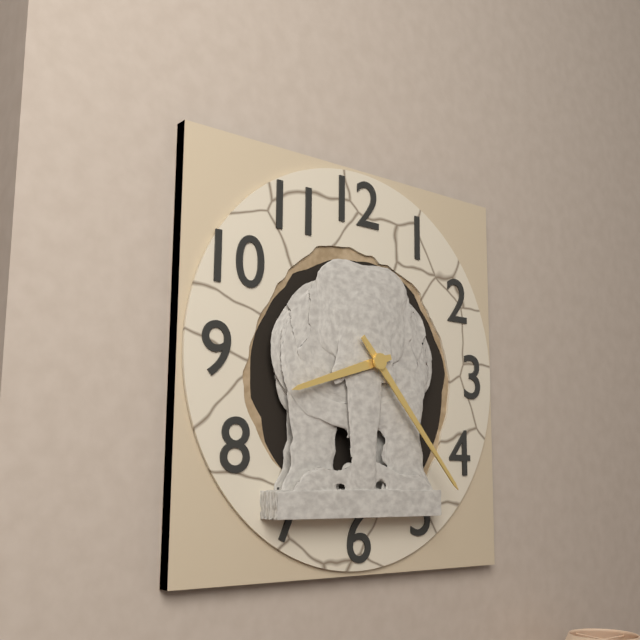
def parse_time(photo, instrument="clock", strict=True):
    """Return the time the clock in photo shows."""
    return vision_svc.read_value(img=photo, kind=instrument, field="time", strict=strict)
8:23
